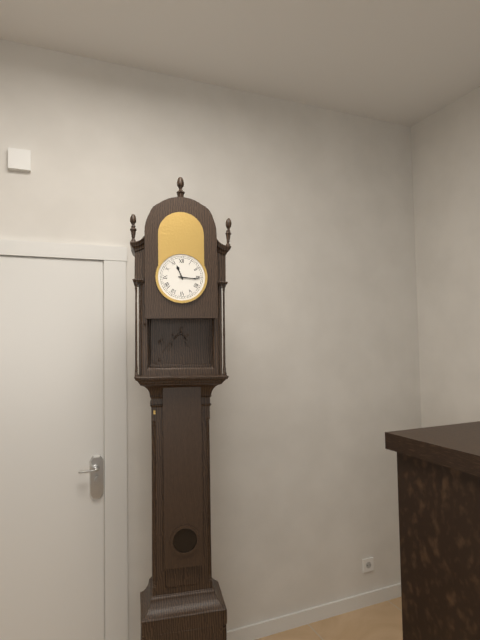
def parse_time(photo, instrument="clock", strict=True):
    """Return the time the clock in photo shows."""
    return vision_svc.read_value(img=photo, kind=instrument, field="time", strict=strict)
11:16
